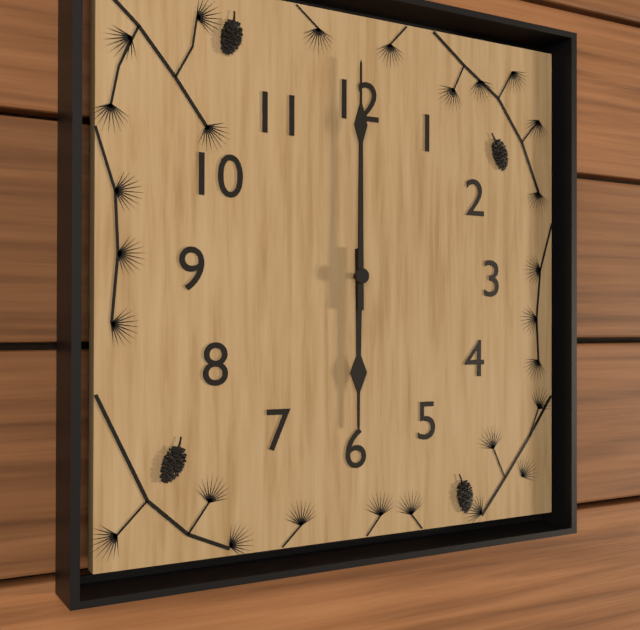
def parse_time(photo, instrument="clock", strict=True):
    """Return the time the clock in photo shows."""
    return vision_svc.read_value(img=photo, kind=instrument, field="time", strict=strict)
6:00
